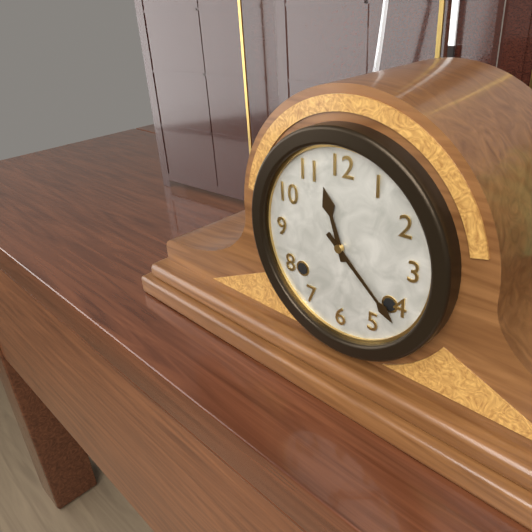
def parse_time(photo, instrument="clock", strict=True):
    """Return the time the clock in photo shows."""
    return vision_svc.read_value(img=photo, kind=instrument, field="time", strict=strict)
11:22
